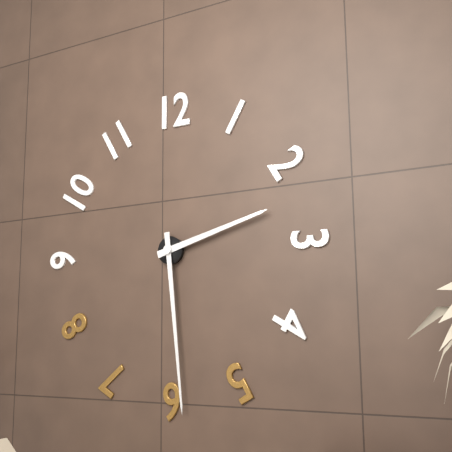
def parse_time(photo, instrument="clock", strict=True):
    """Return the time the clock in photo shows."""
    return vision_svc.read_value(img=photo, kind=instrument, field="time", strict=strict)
2:29
